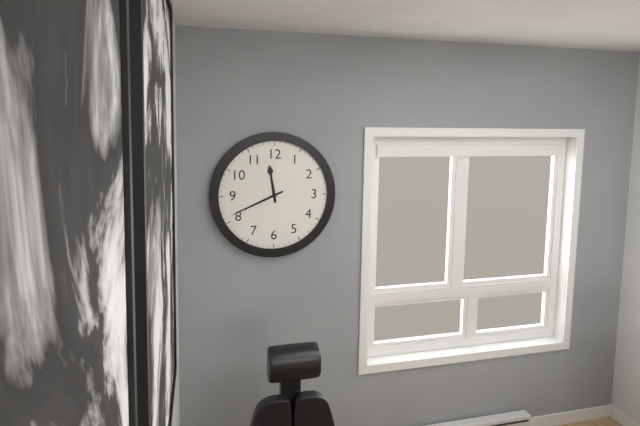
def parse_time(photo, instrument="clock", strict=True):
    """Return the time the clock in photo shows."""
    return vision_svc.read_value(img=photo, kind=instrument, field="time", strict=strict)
11:41
